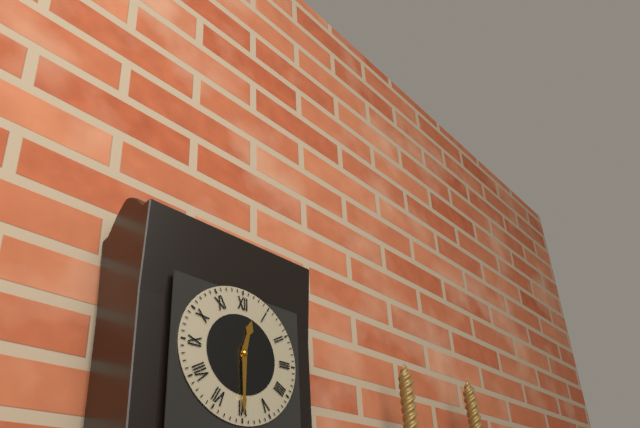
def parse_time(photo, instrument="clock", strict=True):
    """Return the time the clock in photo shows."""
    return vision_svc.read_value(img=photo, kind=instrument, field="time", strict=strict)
12:30
